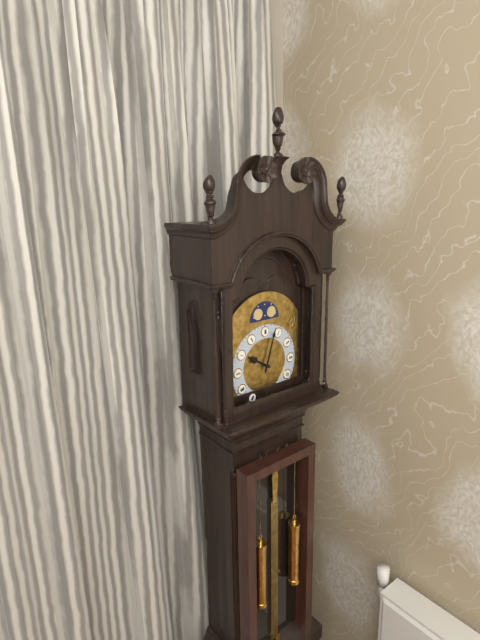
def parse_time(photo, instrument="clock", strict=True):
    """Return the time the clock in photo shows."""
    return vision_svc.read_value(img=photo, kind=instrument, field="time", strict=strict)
10:03
